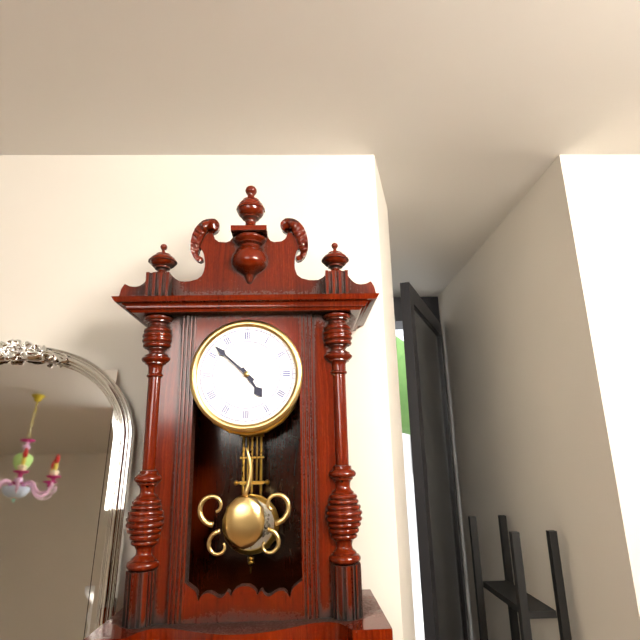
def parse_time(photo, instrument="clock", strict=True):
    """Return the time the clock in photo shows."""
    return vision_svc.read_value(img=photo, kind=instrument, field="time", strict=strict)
4:52
